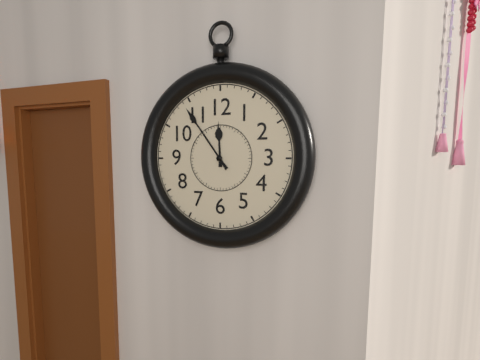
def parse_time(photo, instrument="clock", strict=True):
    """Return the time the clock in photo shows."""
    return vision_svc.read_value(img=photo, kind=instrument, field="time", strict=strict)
11:54
